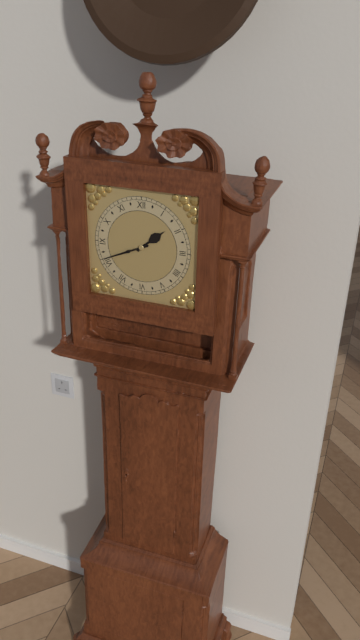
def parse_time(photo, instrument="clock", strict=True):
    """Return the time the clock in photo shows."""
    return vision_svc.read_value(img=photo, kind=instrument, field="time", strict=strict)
1:41
